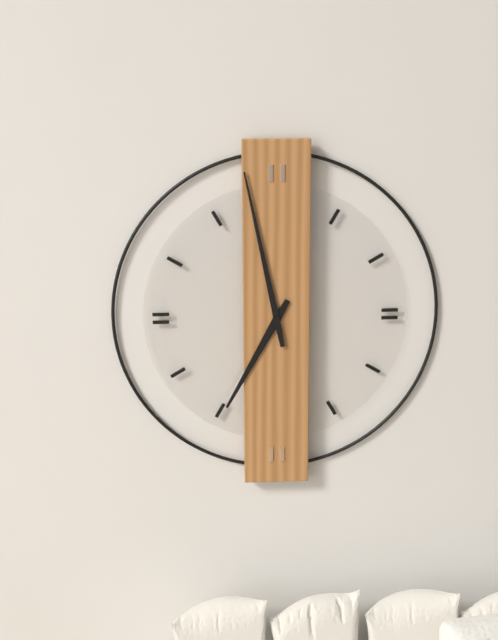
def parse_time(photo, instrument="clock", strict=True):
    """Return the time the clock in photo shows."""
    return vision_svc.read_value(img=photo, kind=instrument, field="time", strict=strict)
6:58
